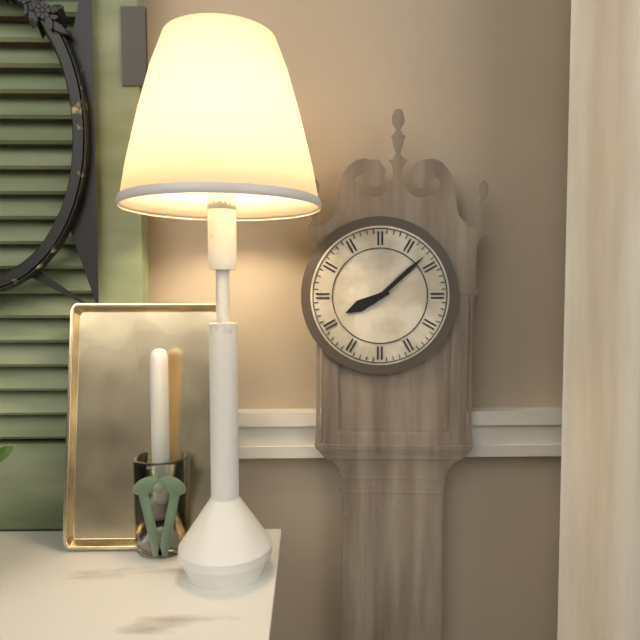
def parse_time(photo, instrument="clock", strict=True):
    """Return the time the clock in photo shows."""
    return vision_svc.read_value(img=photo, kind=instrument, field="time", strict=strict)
8:08
